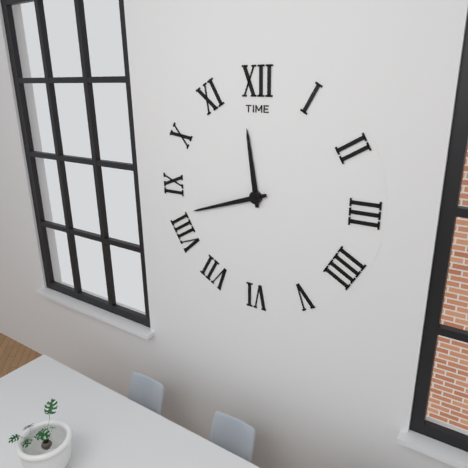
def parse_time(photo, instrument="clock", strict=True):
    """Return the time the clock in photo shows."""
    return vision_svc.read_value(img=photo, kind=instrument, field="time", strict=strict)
11:42
